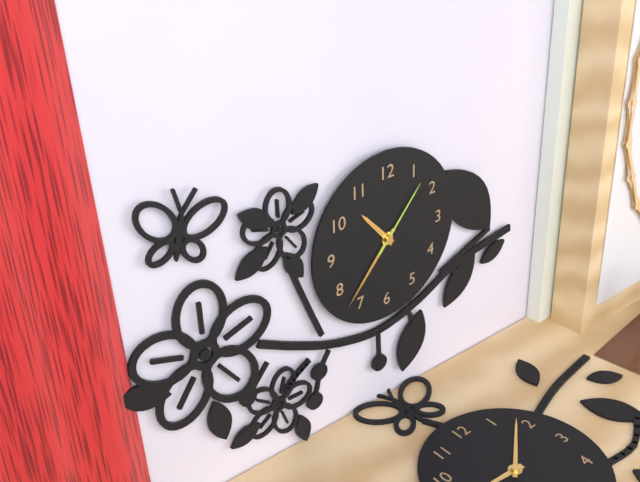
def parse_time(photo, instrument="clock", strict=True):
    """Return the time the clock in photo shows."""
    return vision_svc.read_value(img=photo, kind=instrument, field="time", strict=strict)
10:37:07
